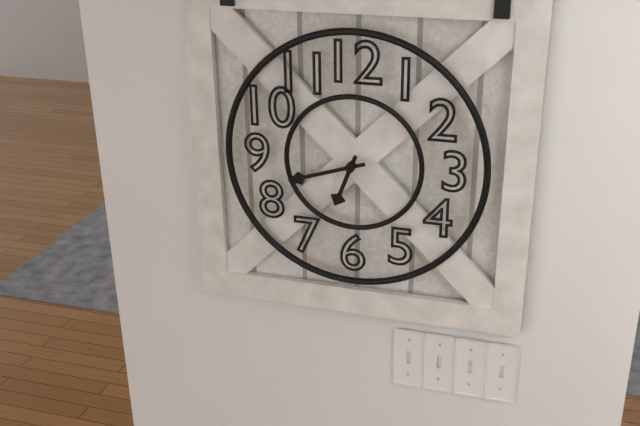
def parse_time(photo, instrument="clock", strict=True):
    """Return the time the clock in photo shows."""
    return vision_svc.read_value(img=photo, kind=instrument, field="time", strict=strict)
6:42
